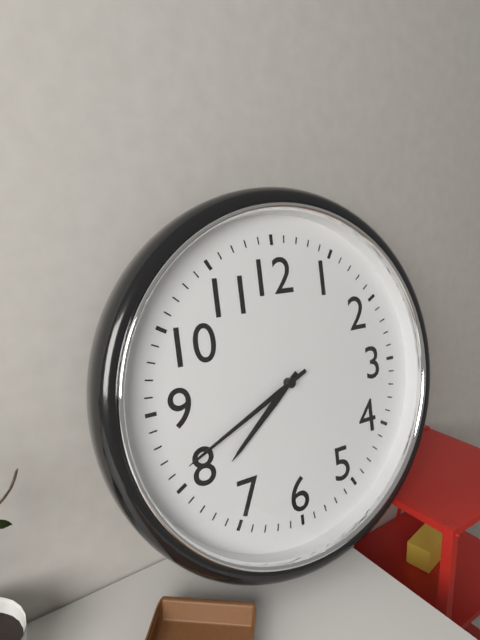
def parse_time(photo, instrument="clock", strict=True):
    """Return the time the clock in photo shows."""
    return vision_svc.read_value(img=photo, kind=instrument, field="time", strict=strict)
7:41
